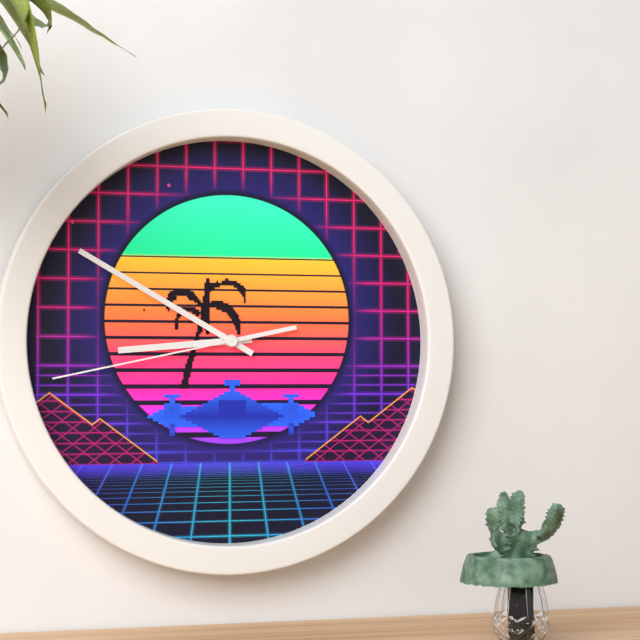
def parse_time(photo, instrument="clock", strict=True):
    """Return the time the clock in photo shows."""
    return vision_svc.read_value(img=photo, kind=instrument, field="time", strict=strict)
8:50:43
